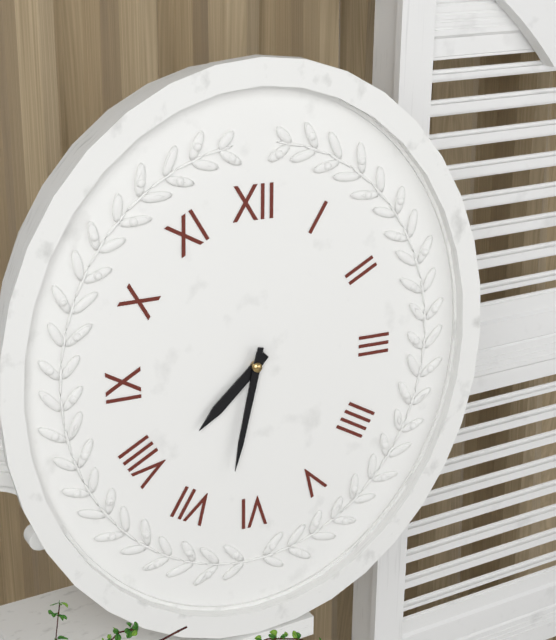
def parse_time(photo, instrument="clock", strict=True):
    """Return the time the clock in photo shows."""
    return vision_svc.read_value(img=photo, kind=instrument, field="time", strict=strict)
7:32
